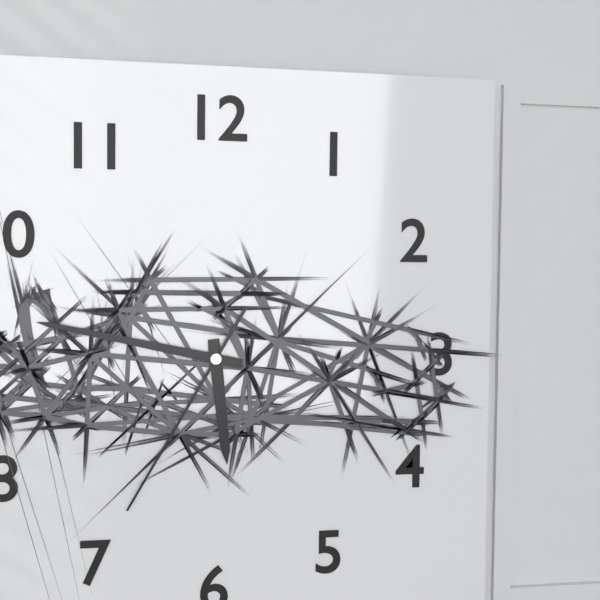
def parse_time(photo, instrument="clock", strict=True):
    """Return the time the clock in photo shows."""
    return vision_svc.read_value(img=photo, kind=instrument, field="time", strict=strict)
5:47:35
